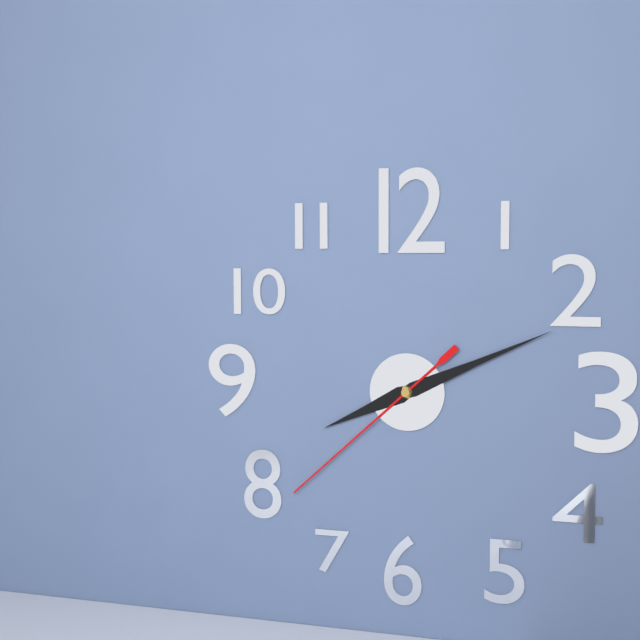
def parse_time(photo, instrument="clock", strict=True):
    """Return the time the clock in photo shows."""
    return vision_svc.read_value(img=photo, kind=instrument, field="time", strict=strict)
8:11:38
